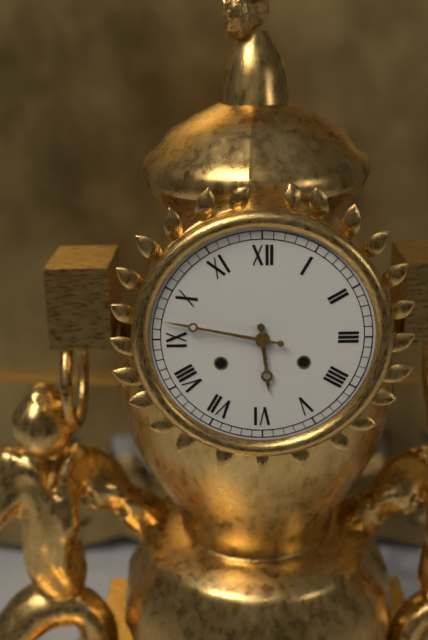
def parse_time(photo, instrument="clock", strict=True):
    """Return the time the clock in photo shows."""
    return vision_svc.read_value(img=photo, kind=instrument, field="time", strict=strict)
5:47
